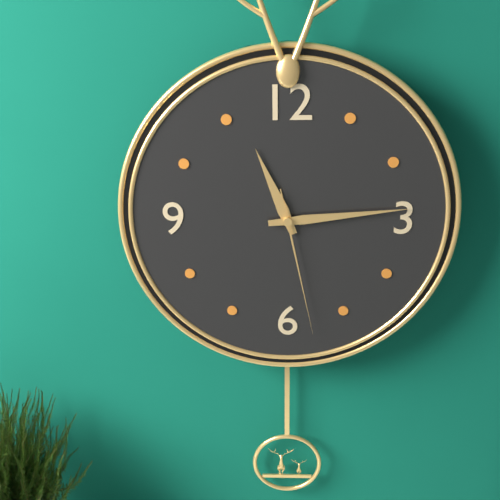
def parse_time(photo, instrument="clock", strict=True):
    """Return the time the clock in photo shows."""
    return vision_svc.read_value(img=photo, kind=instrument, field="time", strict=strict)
11:14:28
